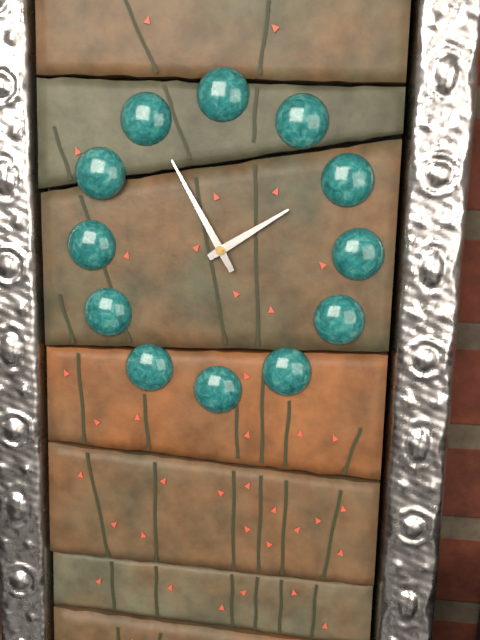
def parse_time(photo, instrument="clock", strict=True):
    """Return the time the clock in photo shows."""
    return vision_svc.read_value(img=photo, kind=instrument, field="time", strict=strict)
1:55
